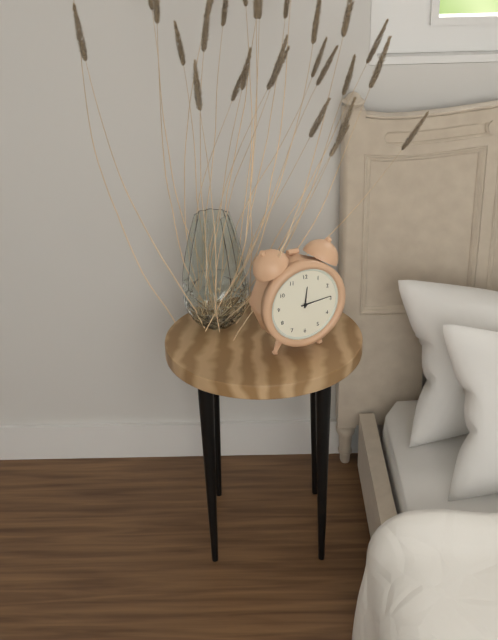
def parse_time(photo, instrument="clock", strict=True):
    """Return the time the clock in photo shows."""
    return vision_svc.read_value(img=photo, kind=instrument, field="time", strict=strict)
12:14
